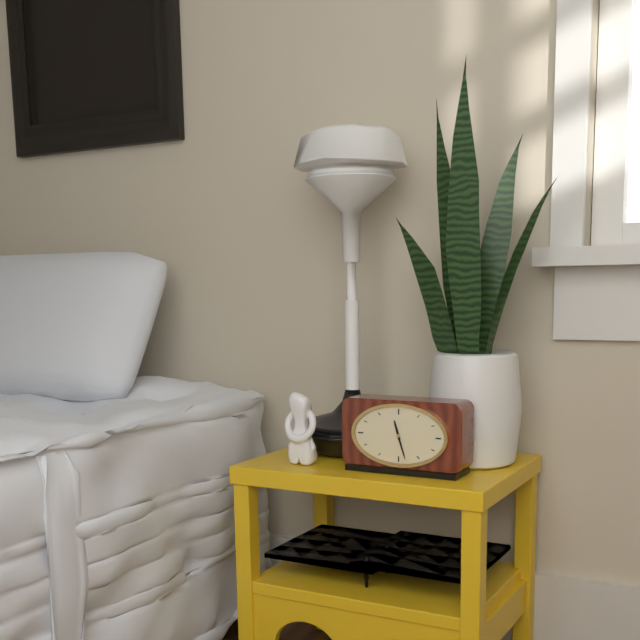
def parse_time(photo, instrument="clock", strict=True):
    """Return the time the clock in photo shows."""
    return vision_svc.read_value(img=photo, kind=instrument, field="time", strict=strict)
11:27
